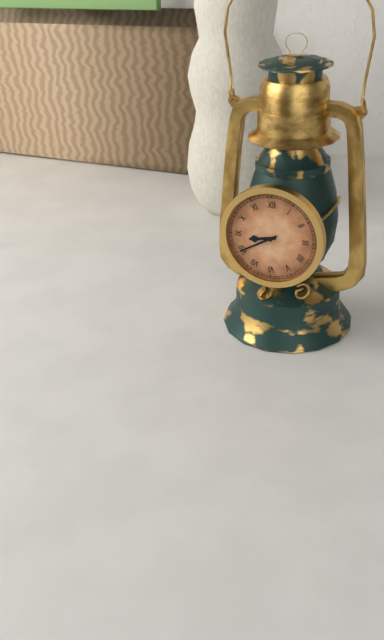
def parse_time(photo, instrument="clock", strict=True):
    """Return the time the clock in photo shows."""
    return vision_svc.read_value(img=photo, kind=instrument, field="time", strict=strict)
8:40
